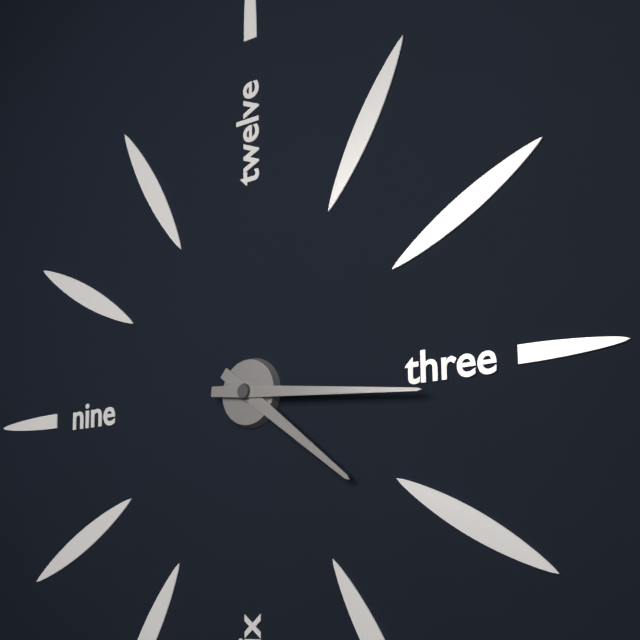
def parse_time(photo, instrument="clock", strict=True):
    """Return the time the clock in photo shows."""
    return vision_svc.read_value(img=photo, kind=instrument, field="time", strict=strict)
4:16
